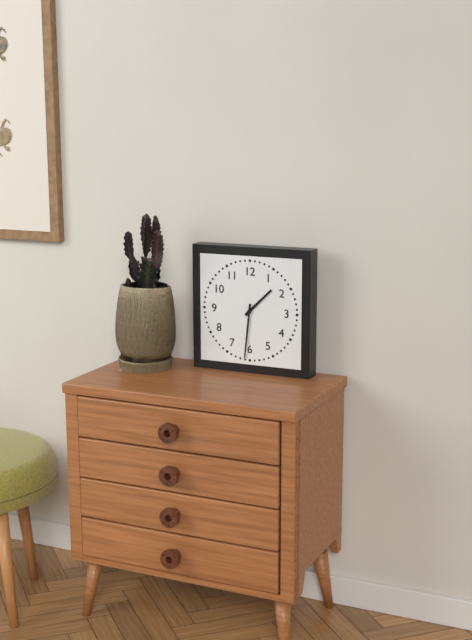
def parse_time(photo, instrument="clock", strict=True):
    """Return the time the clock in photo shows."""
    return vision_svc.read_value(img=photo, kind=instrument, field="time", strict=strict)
1:31
